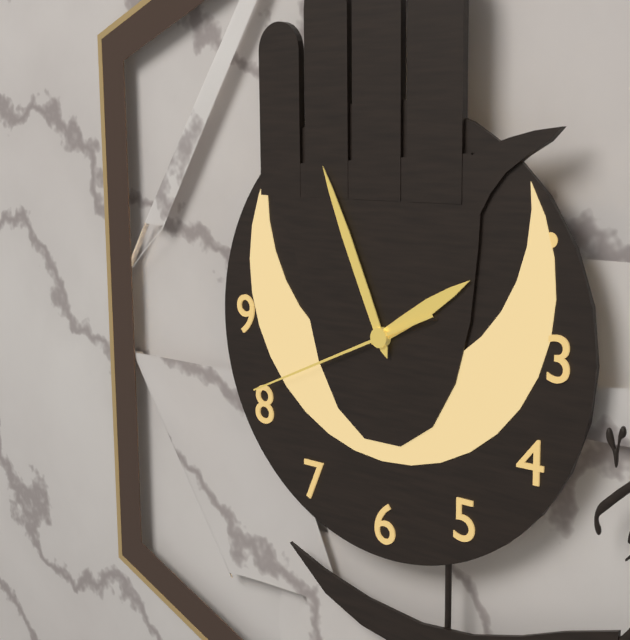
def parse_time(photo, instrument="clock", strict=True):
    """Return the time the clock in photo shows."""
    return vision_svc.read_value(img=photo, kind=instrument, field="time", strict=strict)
1:56:41
